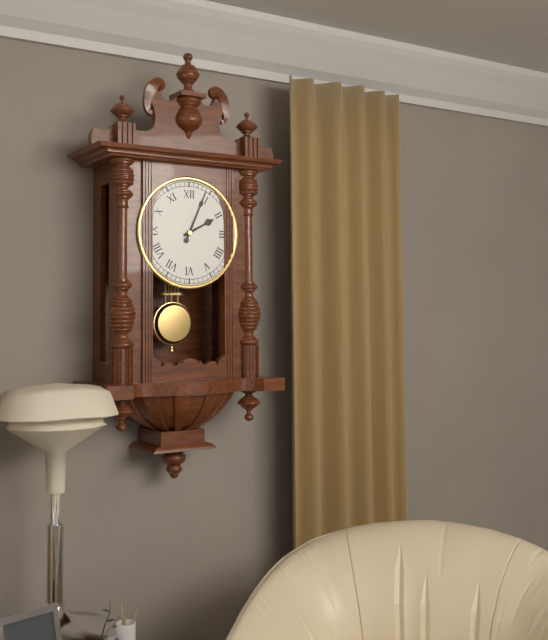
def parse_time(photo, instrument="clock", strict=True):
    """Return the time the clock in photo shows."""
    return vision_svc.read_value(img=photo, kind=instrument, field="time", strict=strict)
2:04
